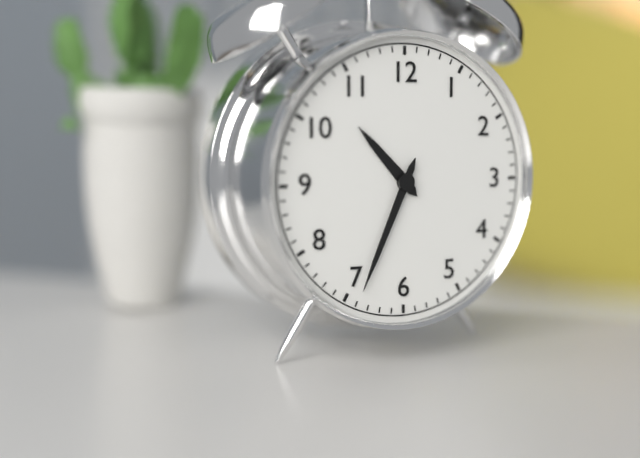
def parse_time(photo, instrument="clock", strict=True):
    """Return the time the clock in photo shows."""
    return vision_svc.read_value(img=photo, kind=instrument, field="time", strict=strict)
10:34
